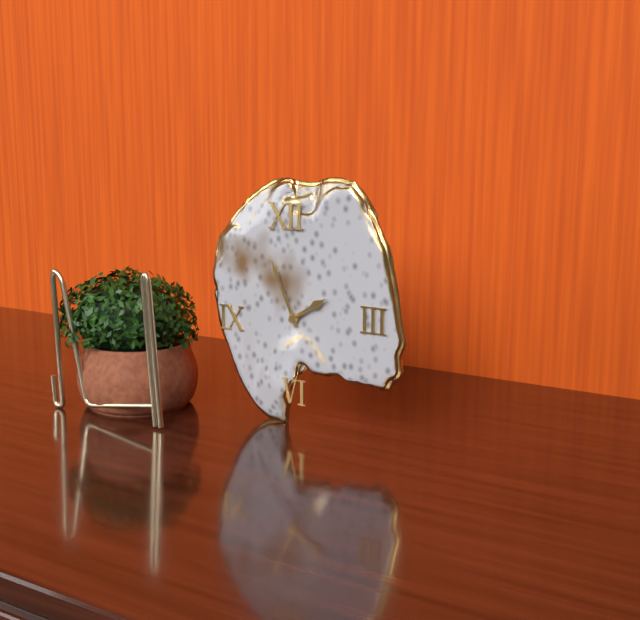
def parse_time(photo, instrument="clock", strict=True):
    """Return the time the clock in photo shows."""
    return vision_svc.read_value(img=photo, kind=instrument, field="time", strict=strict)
1:56
